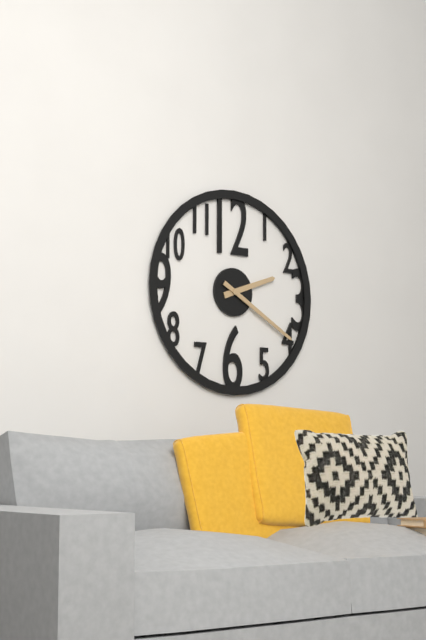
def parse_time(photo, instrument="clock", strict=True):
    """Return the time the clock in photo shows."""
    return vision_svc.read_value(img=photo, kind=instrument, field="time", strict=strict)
2:20
